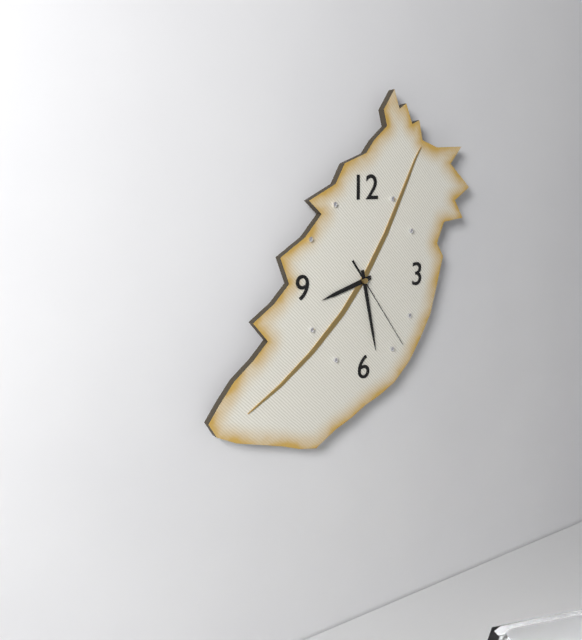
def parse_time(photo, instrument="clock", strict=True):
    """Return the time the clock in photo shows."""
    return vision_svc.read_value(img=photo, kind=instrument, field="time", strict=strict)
8:28:24
